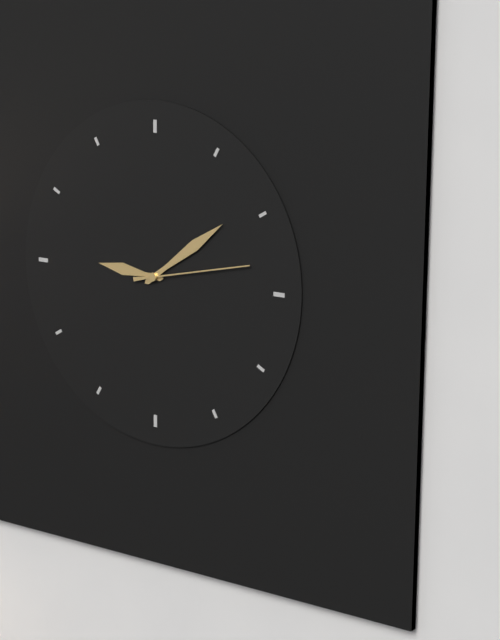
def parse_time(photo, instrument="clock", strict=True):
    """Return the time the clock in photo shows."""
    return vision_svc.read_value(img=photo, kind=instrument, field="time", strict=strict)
9:09:13
